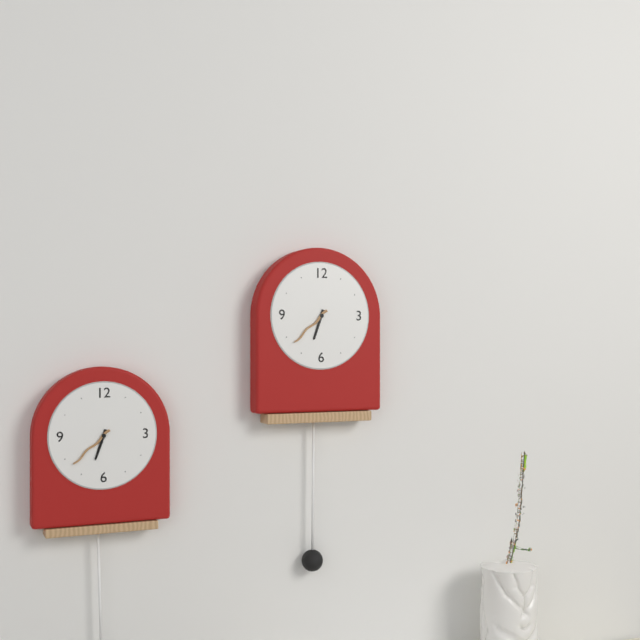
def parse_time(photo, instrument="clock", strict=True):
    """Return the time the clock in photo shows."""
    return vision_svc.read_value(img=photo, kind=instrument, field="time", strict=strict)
6:38
